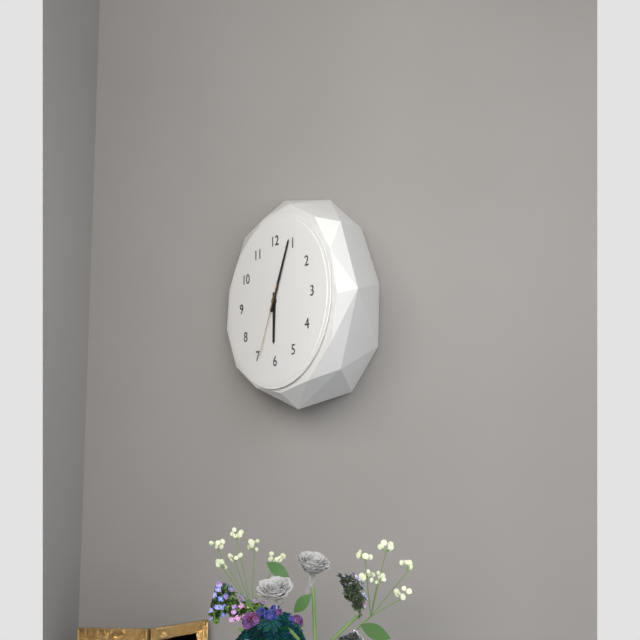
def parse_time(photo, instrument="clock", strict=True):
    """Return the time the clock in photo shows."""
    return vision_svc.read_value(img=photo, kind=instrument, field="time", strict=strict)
6:04:34
